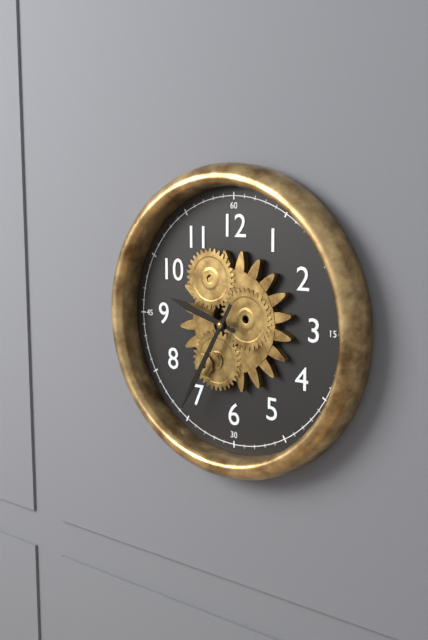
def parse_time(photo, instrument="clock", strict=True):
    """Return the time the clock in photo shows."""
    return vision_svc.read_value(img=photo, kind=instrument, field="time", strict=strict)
9:35
